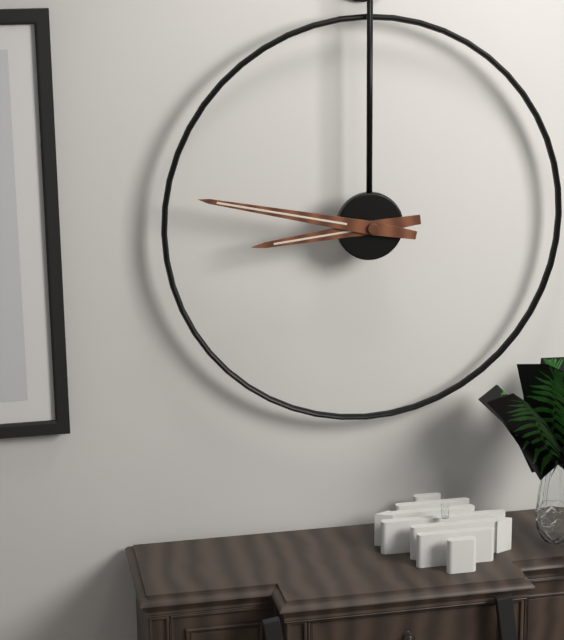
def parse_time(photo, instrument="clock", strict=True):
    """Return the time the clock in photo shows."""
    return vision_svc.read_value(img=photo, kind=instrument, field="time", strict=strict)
8:47
